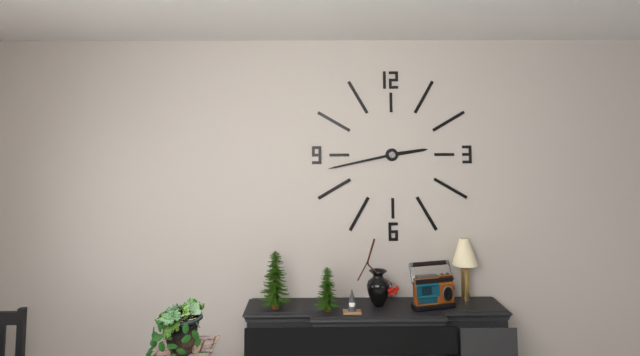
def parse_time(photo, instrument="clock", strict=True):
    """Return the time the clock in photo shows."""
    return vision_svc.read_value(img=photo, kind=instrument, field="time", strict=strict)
2:43
